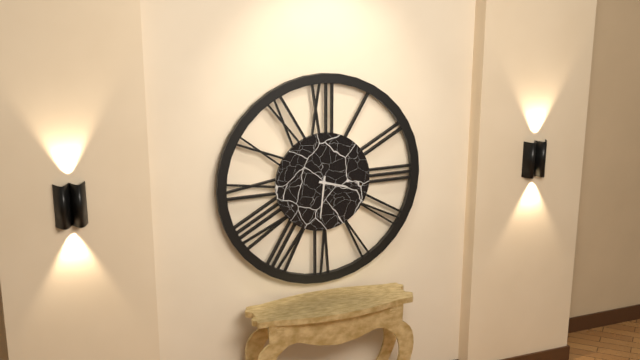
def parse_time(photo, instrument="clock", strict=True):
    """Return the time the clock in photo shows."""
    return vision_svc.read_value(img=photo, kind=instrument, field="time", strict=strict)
3:31
